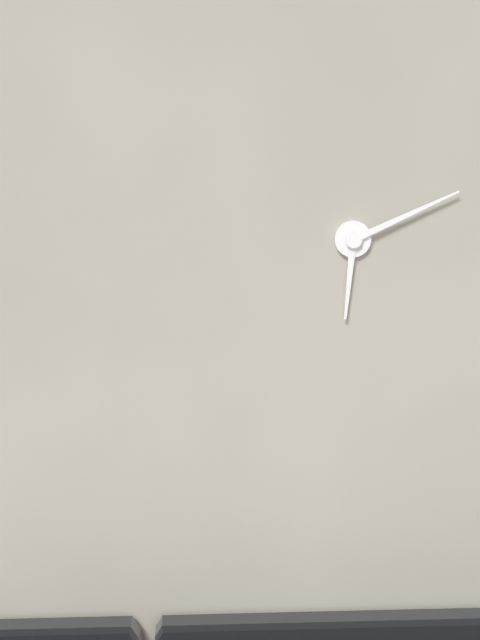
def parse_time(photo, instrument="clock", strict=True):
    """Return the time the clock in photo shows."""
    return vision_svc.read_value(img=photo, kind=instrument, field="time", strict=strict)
6:11
